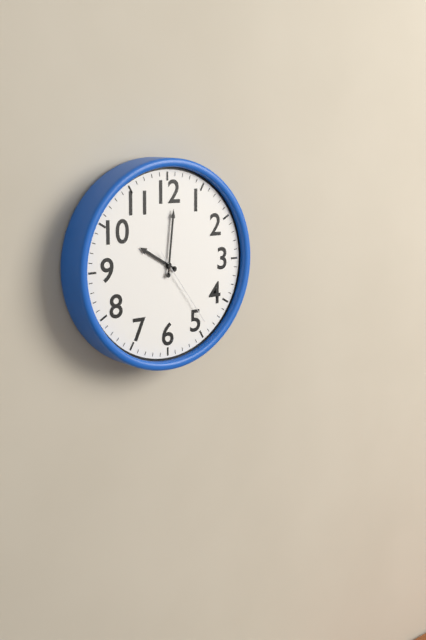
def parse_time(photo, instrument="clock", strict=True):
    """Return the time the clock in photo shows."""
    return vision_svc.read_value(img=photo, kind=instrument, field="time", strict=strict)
10:01:24
